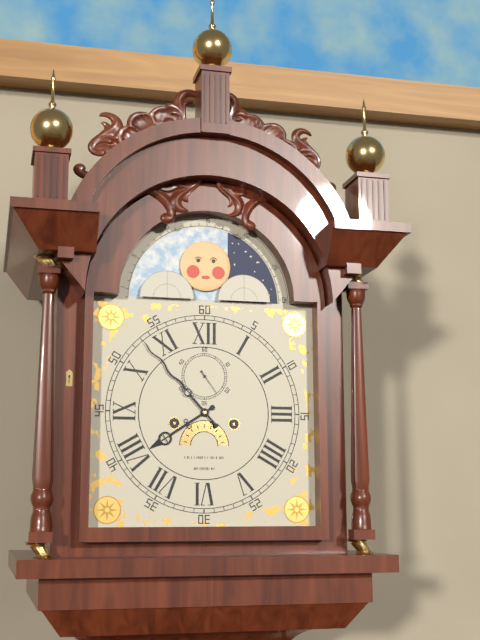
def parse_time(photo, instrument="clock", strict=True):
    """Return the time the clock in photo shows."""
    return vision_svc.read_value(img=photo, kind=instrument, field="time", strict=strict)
7:53
